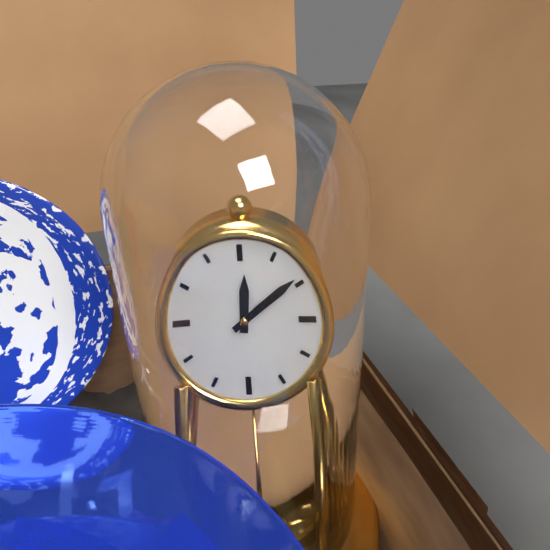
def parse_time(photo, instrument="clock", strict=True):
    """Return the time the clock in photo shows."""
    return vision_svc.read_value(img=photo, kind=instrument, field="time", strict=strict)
12:09
